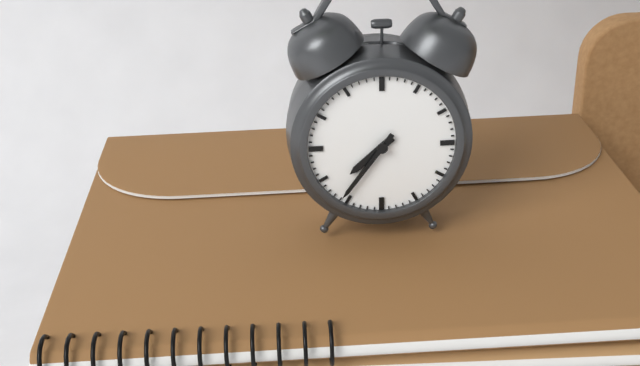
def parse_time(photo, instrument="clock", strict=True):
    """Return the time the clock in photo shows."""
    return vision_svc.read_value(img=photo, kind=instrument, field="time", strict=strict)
7:36
